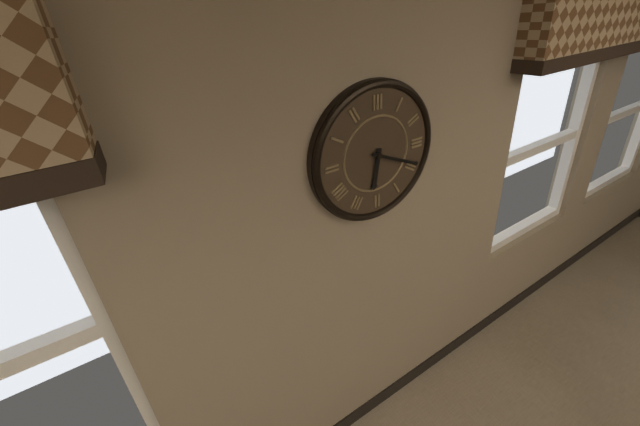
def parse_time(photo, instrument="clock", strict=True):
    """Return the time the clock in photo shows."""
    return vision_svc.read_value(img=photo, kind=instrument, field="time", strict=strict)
6:19
